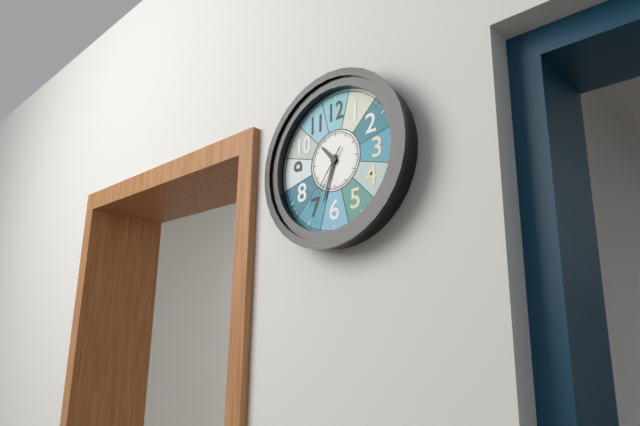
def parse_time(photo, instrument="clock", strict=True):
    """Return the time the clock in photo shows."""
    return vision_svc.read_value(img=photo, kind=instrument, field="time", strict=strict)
10:33:36
